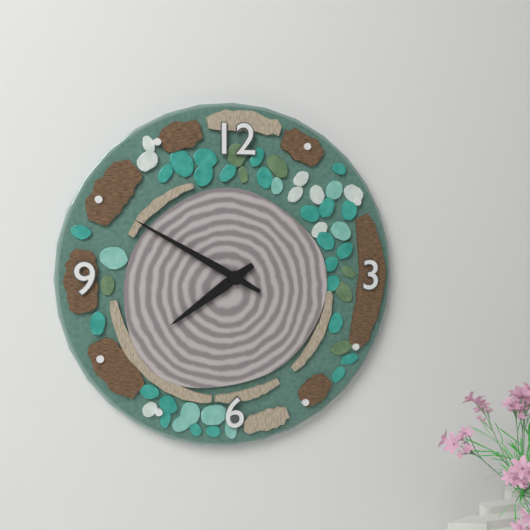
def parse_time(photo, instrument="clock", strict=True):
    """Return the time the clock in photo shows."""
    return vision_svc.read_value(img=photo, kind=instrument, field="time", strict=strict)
7:50
